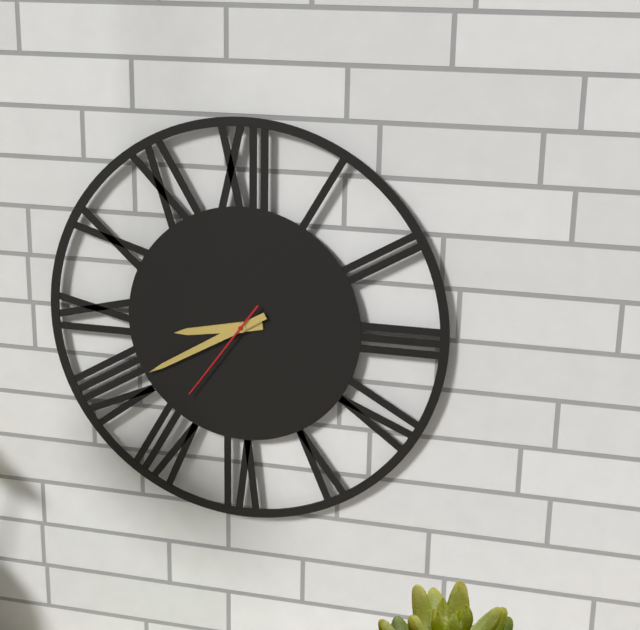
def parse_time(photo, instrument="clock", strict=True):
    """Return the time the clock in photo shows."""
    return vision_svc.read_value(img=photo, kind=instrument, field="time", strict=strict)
8:40:36
